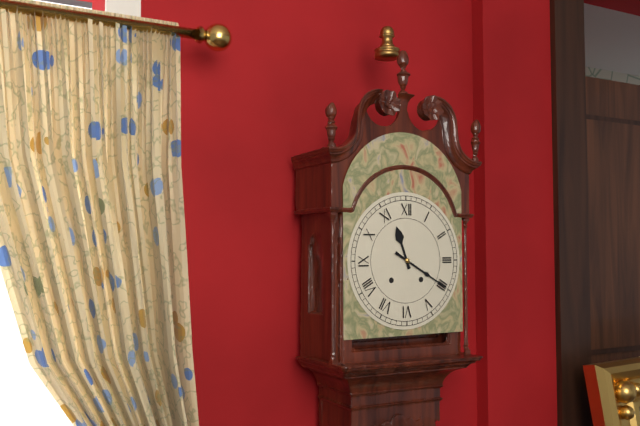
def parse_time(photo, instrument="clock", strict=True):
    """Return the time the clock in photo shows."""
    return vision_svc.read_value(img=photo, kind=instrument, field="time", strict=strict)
11:20
